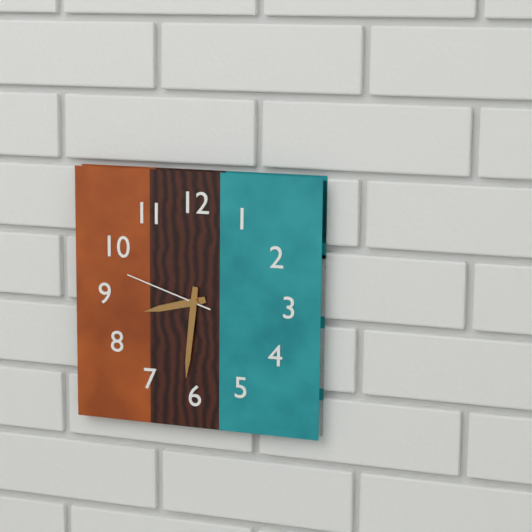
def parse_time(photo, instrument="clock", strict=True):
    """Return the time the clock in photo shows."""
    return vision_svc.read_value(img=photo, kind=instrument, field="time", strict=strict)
8:31:48
